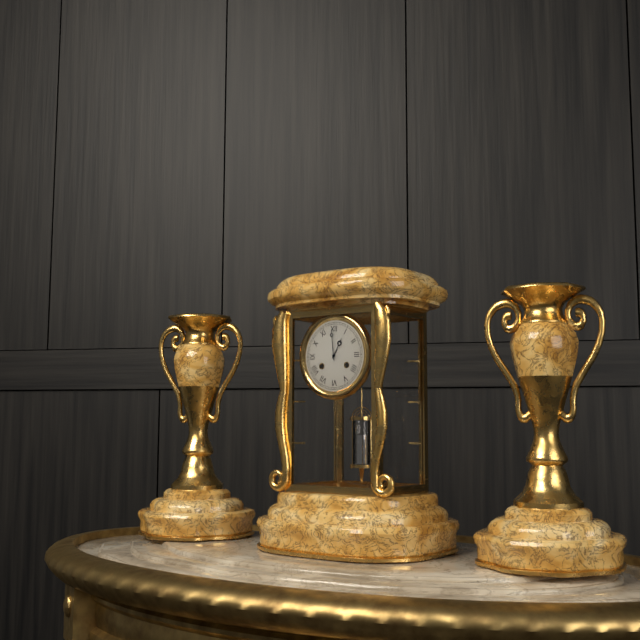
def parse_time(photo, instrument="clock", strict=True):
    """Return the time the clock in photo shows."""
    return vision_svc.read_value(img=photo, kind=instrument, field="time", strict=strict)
12:59
